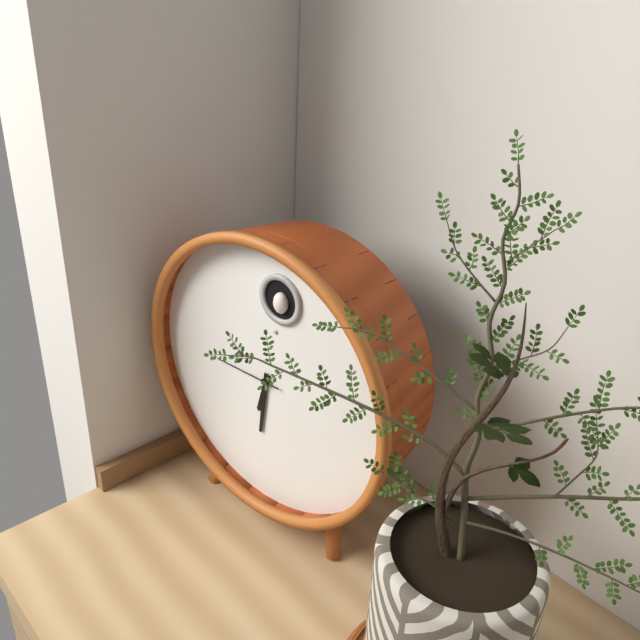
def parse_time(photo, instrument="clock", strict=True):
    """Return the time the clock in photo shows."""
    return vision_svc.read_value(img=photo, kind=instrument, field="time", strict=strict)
6:31:45
